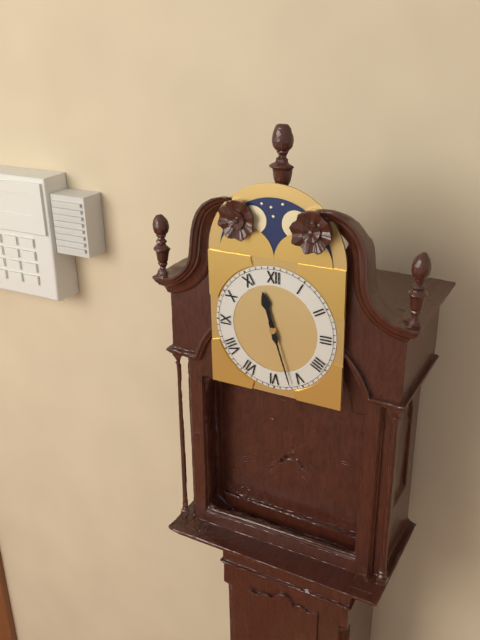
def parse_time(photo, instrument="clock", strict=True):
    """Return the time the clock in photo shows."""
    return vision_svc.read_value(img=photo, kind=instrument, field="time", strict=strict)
11:27
